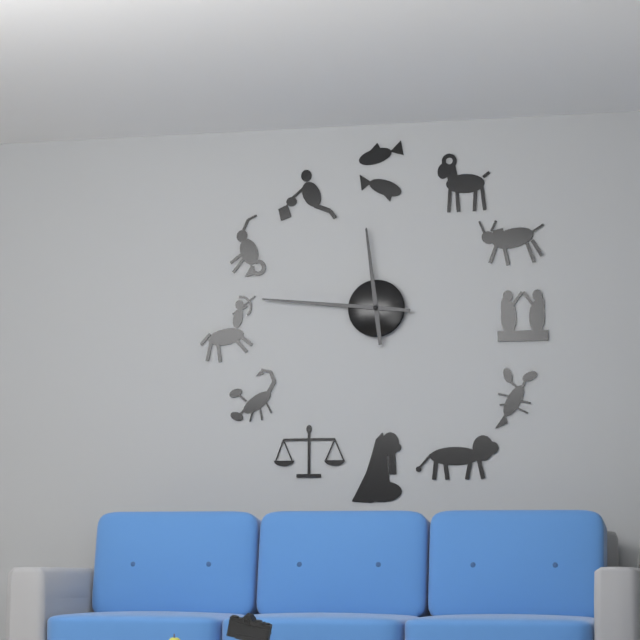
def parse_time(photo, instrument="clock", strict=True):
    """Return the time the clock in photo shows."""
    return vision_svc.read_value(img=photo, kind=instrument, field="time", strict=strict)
11:46
